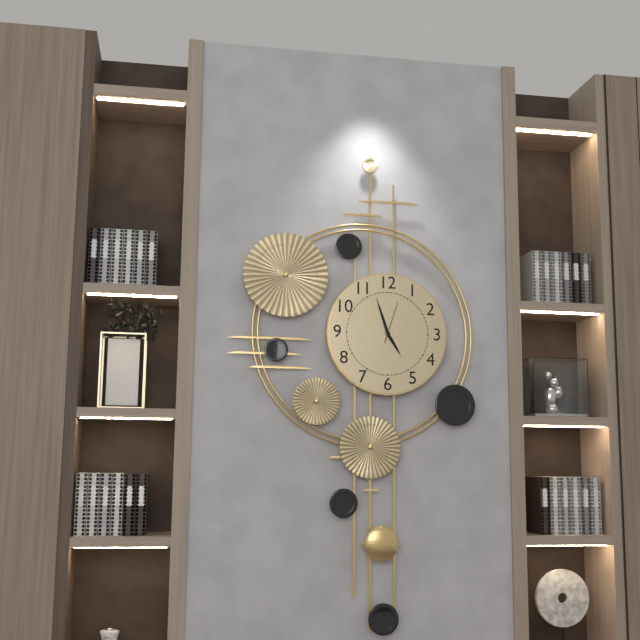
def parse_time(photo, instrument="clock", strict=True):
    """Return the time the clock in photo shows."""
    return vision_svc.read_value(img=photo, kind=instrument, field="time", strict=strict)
4:57
